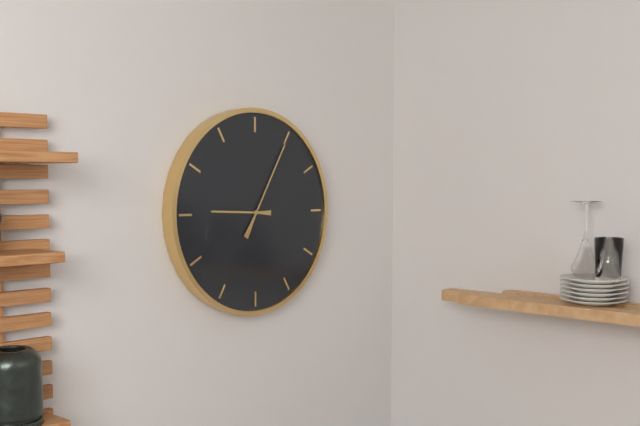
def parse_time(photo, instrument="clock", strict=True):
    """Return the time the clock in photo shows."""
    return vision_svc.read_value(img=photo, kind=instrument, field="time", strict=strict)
9:05
